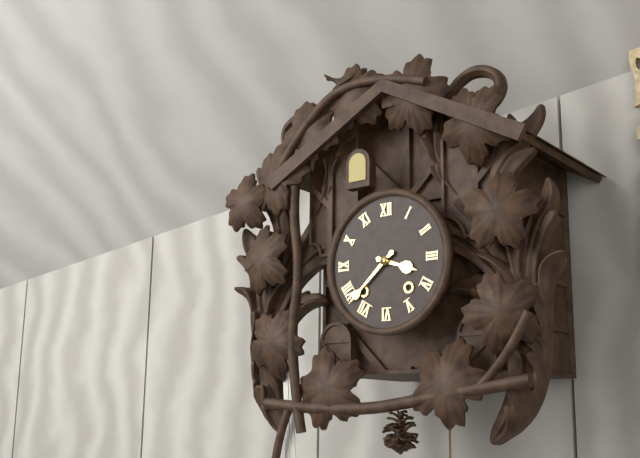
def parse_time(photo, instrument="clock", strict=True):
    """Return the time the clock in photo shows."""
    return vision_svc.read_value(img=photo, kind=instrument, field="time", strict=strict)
3:38
